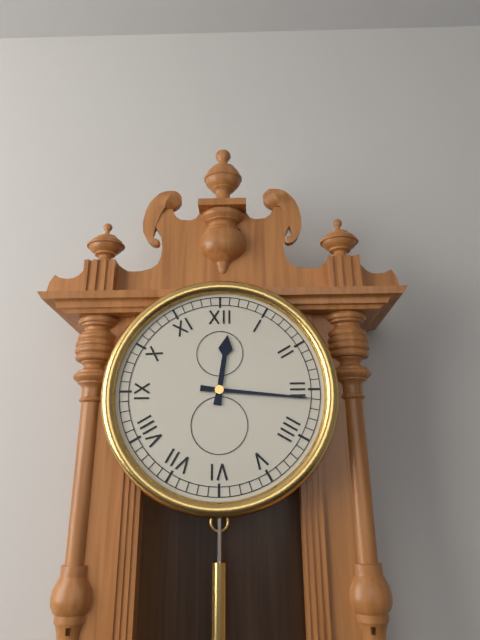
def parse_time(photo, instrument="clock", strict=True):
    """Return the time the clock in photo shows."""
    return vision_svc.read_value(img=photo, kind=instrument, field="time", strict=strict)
12:16
